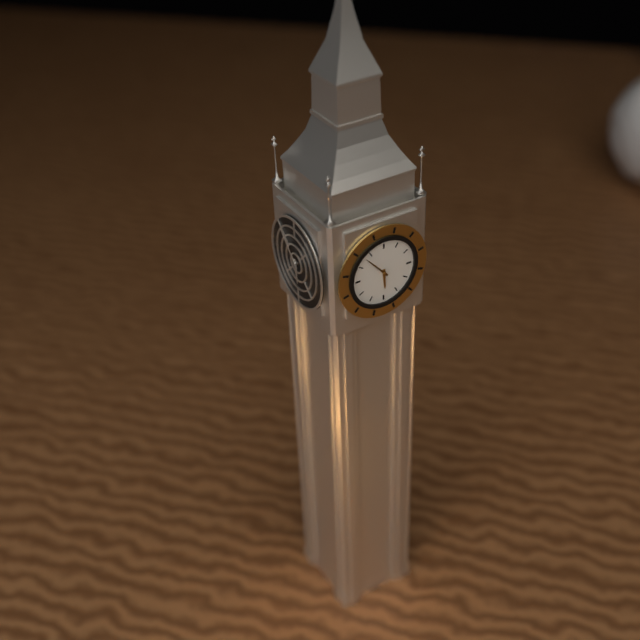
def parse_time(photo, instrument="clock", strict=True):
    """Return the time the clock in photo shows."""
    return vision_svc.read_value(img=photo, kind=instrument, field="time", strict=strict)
5:53
